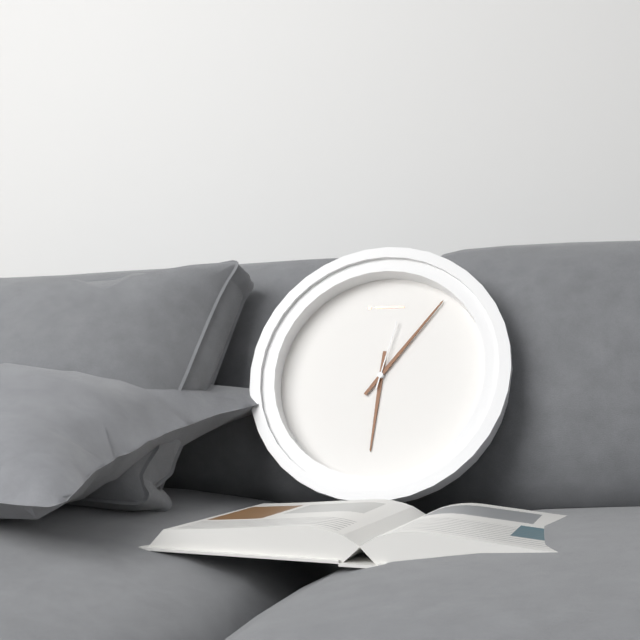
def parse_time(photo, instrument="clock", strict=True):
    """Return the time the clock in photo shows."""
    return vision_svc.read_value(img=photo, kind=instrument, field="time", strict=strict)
6:06:02
